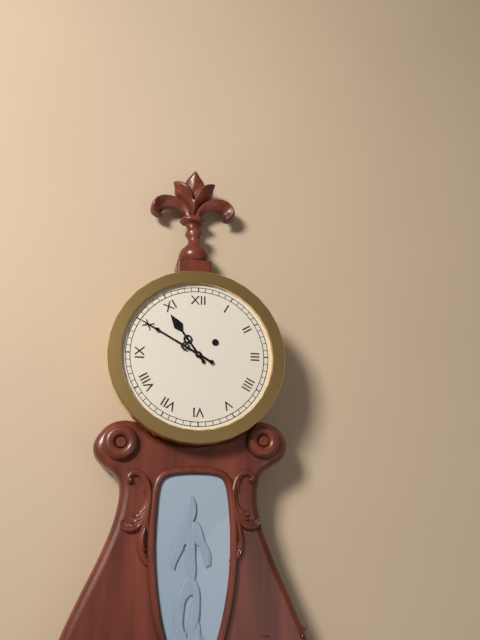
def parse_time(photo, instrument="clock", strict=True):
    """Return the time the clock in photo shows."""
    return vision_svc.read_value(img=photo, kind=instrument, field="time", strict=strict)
10:50
